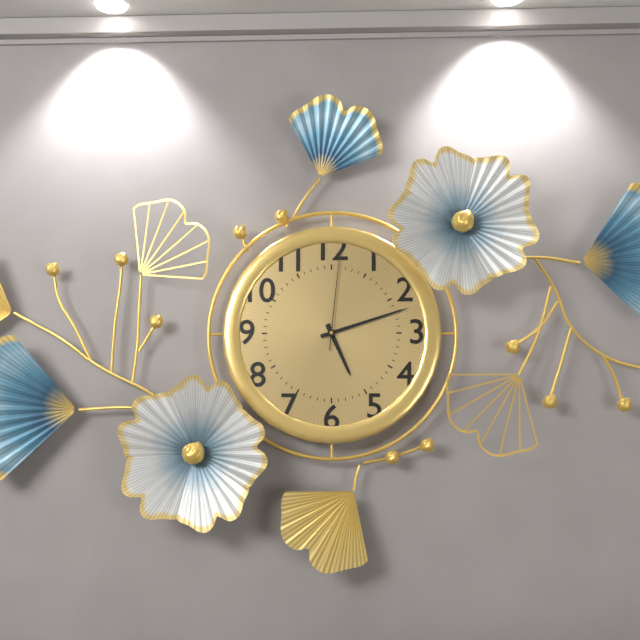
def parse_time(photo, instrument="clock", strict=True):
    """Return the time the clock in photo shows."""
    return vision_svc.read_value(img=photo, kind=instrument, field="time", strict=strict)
5:12:01
